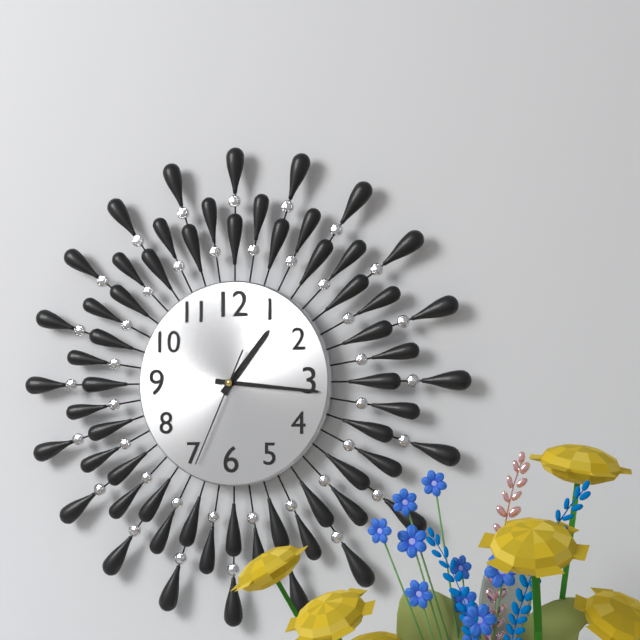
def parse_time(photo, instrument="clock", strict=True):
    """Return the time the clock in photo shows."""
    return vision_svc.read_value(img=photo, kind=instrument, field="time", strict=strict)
1:16:34
